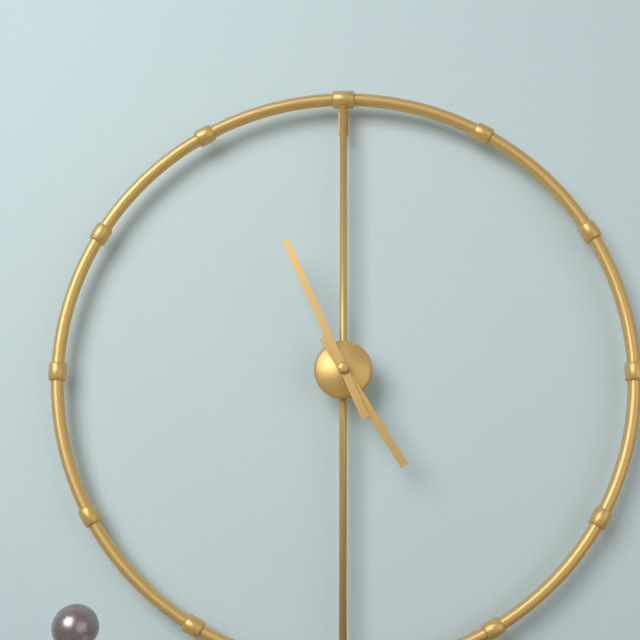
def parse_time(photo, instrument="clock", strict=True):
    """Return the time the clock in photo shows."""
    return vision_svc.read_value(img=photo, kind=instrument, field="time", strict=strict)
4:56
